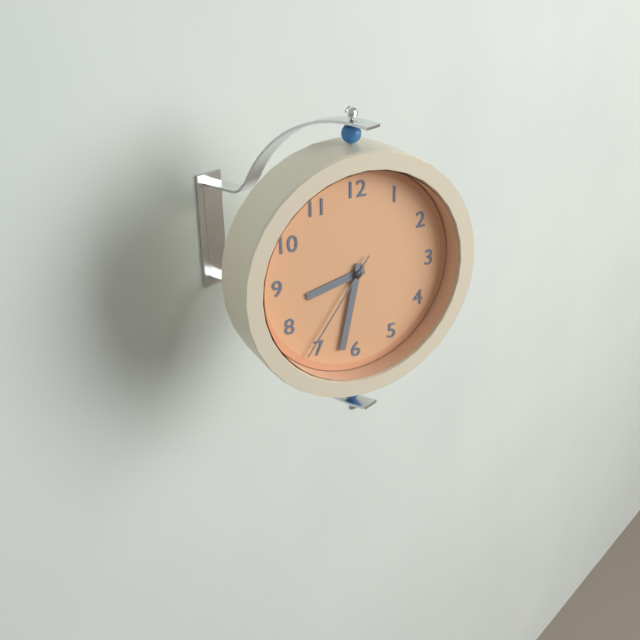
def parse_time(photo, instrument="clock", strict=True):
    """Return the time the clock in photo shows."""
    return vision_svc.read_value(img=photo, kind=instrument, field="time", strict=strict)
8:32:36
